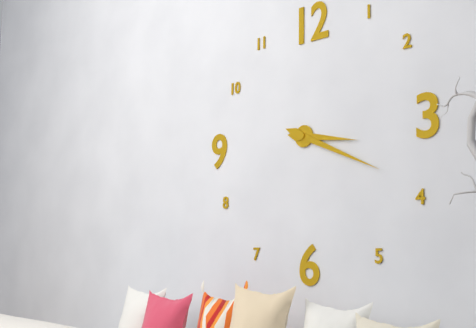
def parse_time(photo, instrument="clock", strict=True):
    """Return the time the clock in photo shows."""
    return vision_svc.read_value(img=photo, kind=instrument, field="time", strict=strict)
3:19
